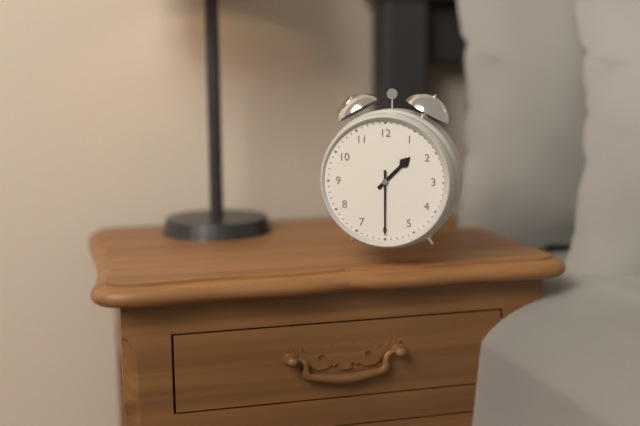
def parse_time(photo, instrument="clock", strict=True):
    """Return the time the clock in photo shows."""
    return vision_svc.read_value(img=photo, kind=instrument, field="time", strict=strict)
1:30
